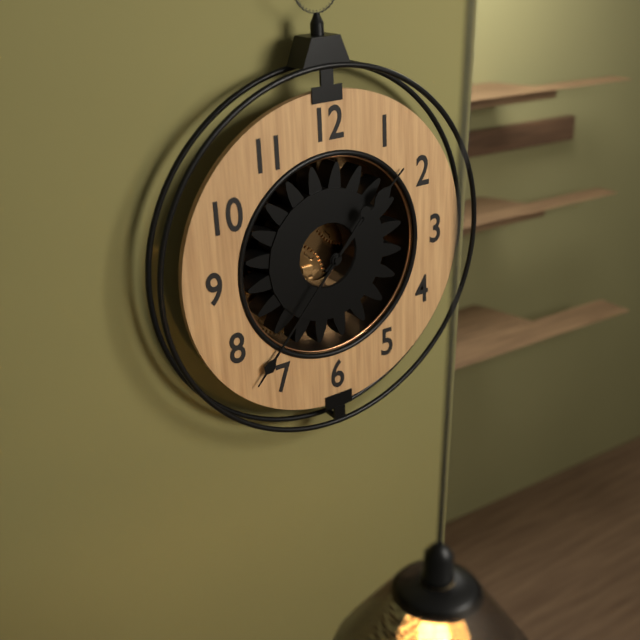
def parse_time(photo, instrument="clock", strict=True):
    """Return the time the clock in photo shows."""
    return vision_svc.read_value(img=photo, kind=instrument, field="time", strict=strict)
1:37
